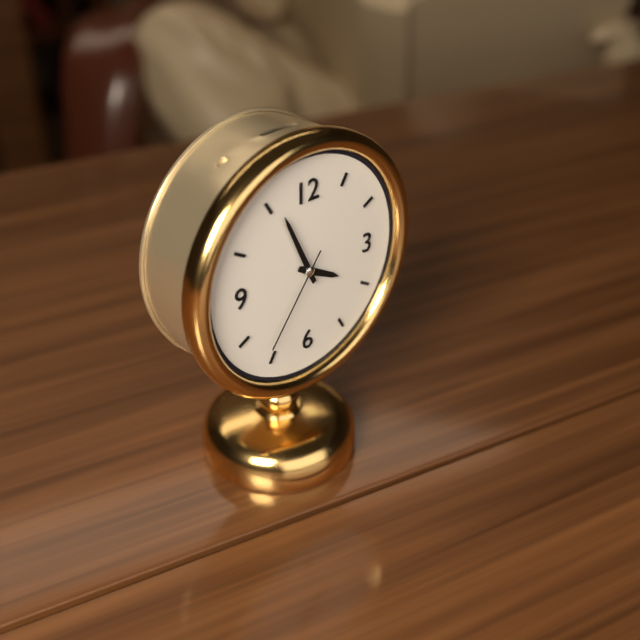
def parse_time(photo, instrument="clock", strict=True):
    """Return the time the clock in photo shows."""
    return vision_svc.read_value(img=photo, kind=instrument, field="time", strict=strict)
3:56:36
